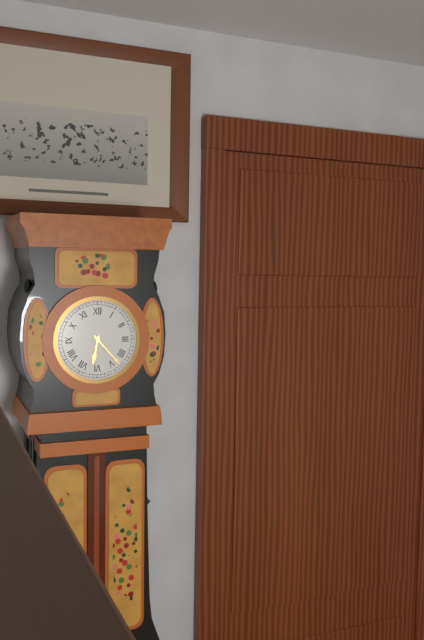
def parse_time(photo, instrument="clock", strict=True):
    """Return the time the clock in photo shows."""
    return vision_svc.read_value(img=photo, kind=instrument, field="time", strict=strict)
6:23
